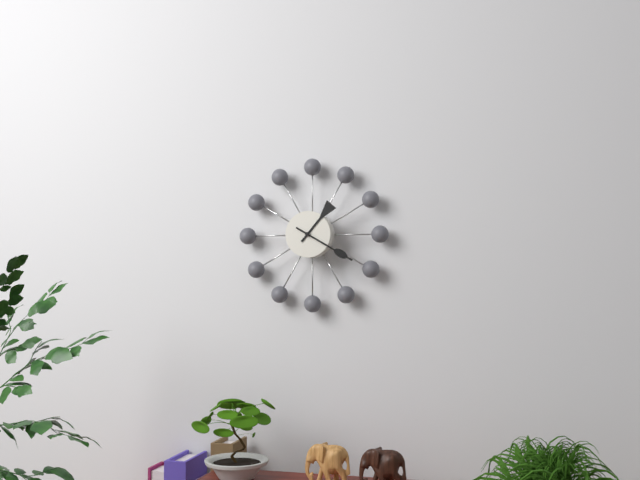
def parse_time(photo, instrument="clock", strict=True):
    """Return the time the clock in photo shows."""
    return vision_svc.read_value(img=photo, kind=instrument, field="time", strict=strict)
1:20
